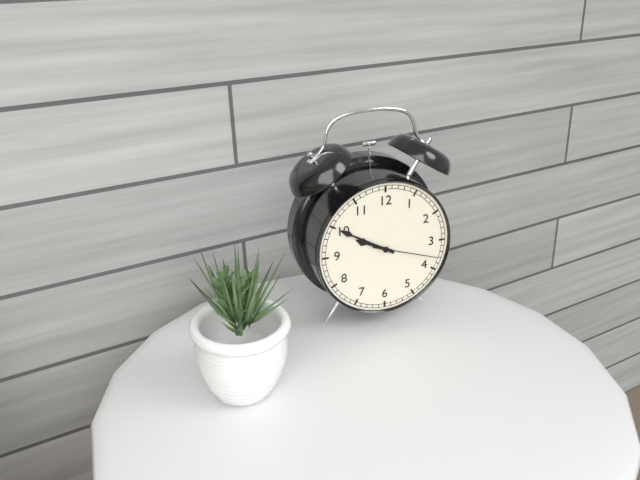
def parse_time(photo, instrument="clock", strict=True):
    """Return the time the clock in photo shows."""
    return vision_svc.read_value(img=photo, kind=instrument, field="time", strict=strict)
9:50:18
